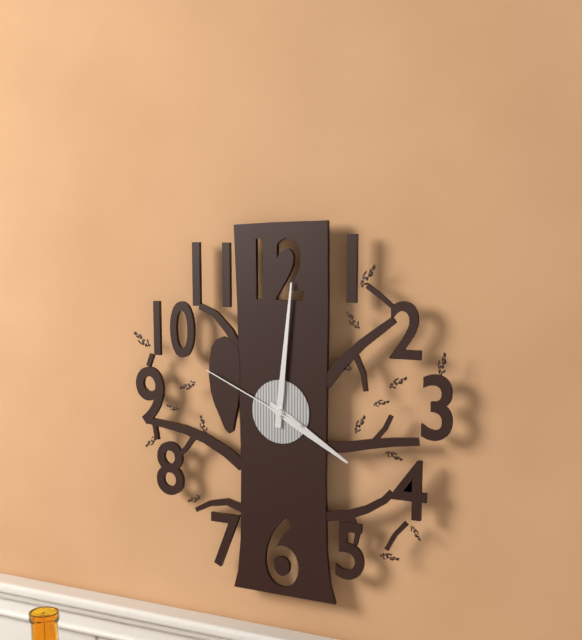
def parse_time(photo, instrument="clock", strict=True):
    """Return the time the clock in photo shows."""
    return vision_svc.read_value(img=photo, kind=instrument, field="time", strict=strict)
4:01:49
